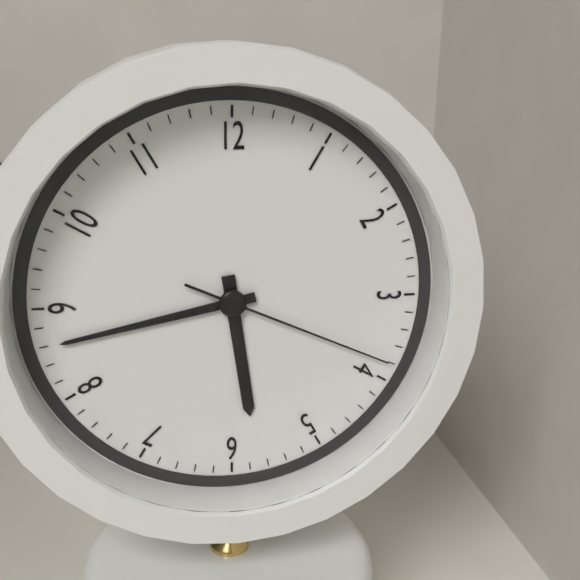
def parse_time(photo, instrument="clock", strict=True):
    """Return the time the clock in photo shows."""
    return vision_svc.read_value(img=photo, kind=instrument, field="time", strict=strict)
5:43:19
